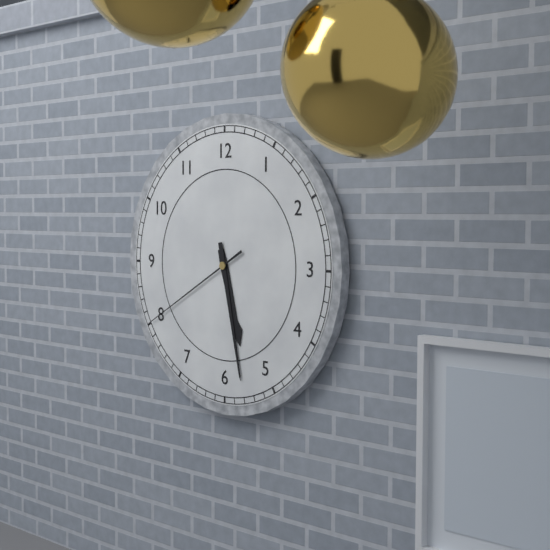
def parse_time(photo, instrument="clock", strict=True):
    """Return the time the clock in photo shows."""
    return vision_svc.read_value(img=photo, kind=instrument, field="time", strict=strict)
5:28:40
